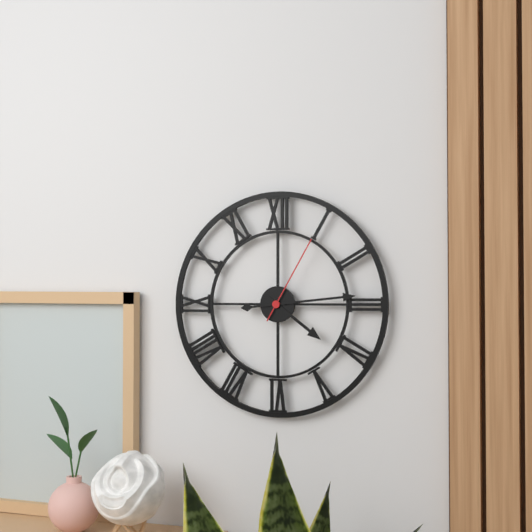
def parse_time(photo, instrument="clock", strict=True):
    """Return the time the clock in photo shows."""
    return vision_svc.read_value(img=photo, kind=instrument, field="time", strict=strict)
4:14:05
